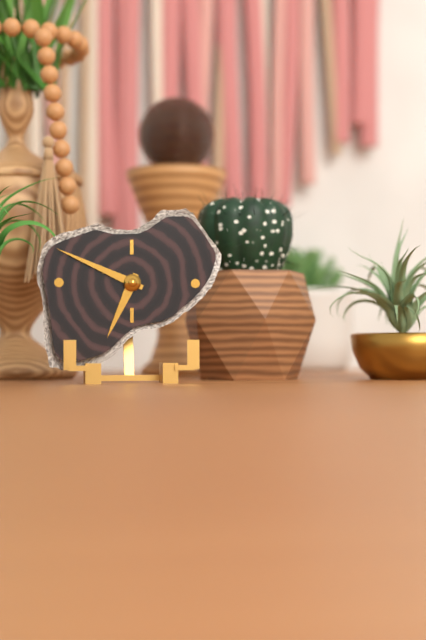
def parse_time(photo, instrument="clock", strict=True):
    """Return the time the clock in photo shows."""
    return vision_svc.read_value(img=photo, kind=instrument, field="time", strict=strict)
6:49
